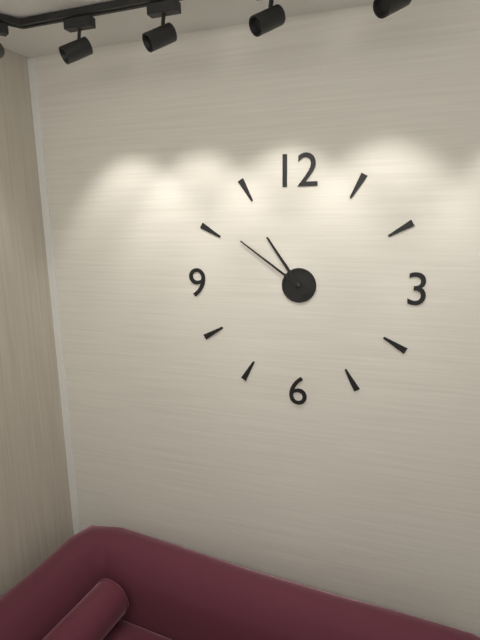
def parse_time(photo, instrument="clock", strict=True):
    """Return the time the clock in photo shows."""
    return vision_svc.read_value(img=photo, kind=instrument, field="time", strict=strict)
10:51
